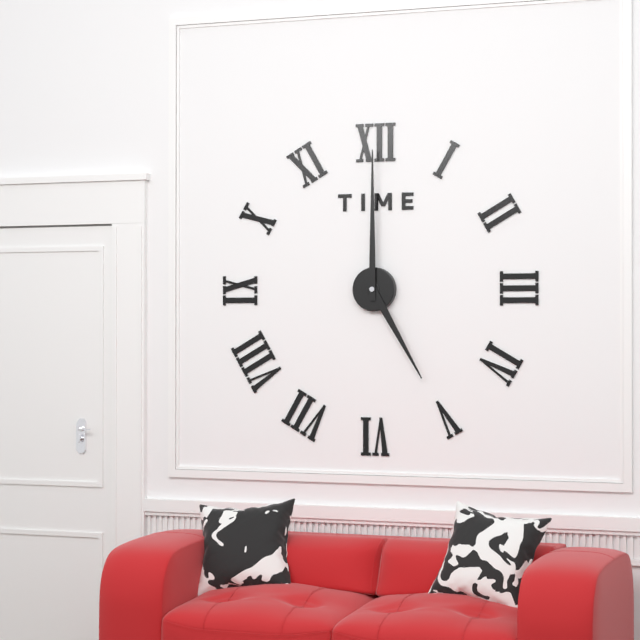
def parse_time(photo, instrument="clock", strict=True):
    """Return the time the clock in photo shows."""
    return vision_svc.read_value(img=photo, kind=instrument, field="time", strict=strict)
5:00
